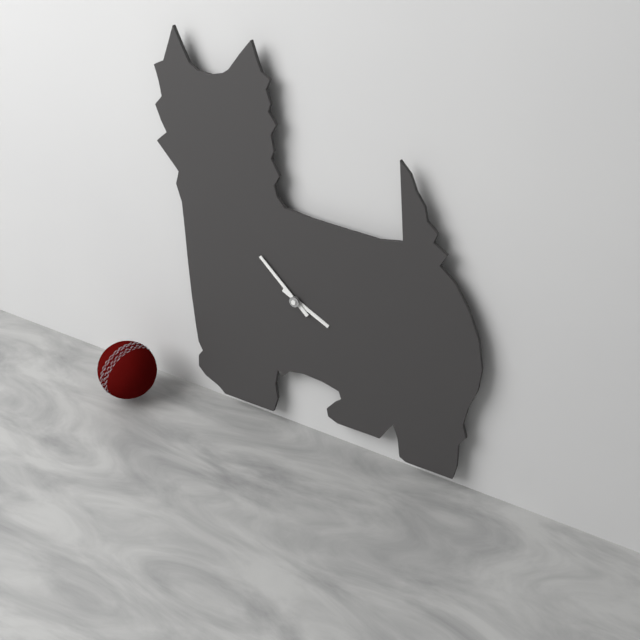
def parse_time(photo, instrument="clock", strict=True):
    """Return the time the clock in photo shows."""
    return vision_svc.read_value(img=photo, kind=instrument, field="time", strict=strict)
3:52
